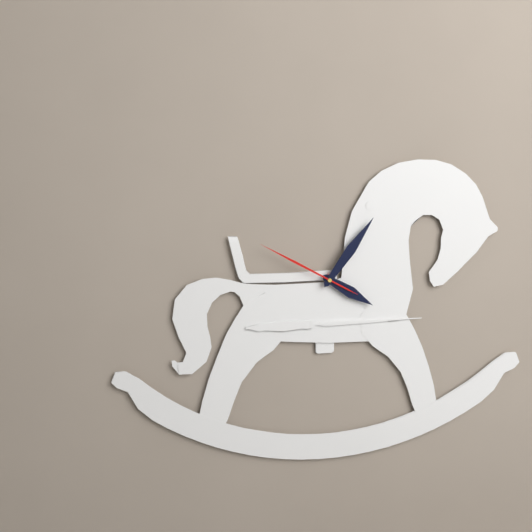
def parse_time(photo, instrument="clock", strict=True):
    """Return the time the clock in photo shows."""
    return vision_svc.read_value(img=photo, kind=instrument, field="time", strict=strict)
4:06:50
